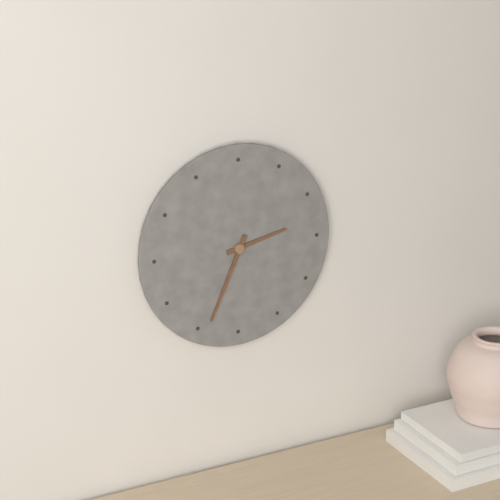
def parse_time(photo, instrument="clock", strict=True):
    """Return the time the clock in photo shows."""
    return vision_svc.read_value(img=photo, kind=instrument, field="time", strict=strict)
2:34
